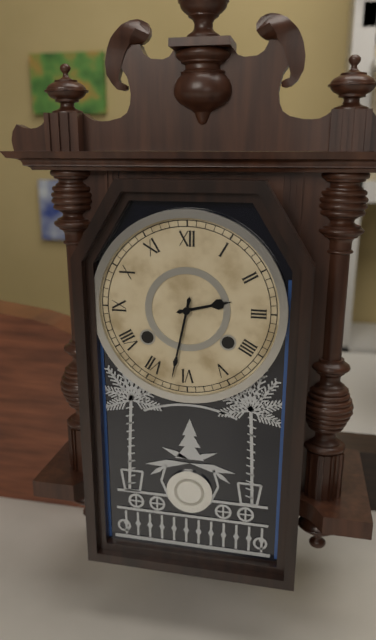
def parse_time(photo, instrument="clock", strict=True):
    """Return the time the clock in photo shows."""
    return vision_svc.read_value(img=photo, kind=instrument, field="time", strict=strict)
2:32
